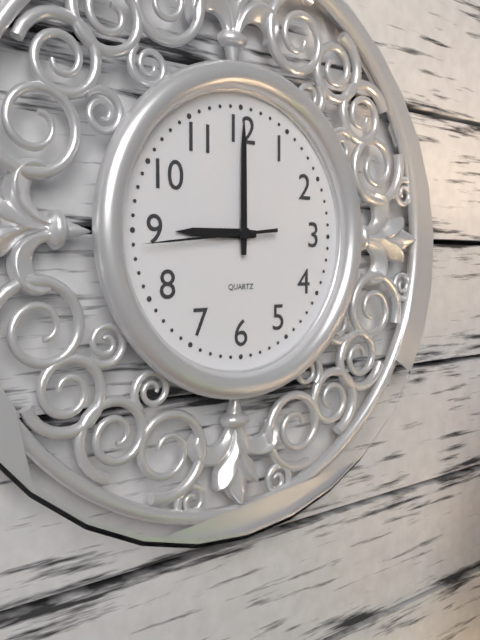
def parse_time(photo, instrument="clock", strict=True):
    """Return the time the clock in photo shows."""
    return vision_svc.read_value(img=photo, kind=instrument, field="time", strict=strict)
9:00:44
